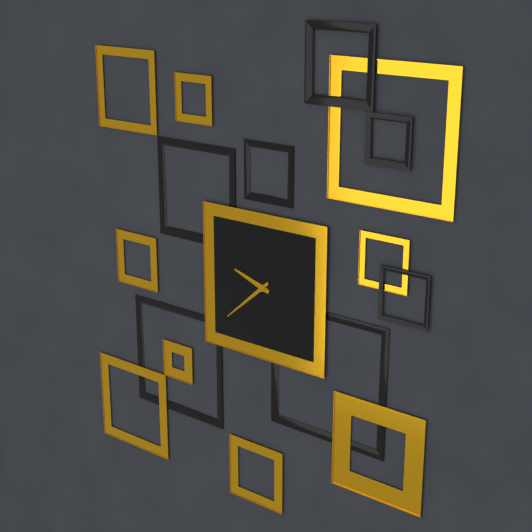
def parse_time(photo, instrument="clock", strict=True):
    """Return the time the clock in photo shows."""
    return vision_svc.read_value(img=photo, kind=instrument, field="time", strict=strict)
9:38
